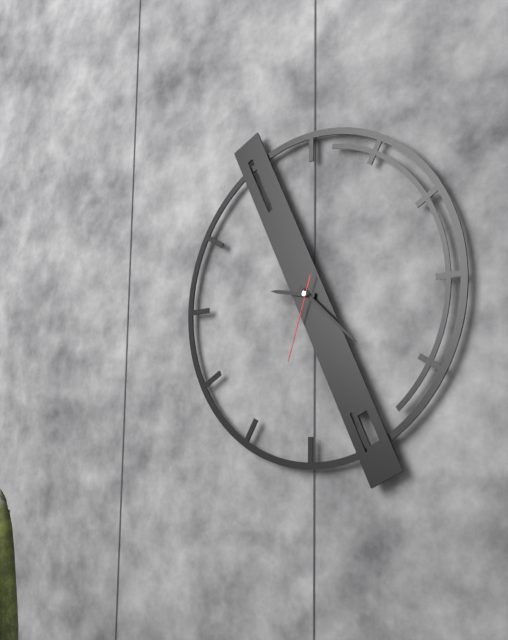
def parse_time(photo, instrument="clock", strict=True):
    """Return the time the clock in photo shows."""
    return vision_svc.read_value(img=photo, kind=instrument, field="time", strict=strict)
9:22:33
